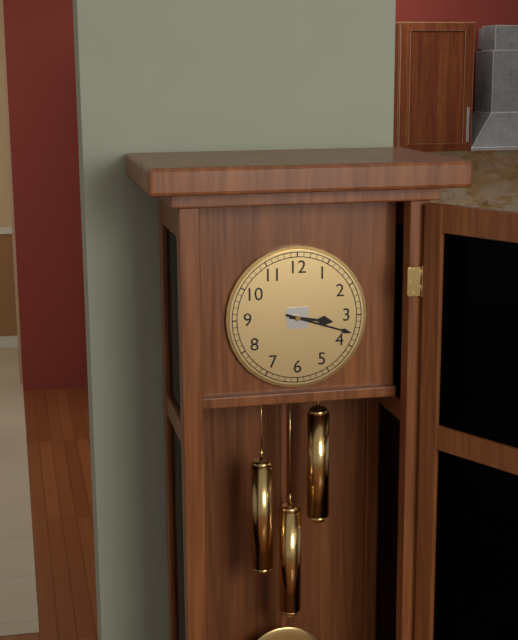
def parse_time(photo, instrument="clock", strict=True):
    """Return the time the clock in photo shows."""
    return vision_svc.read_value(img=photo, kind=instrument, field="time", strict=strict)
3:18
